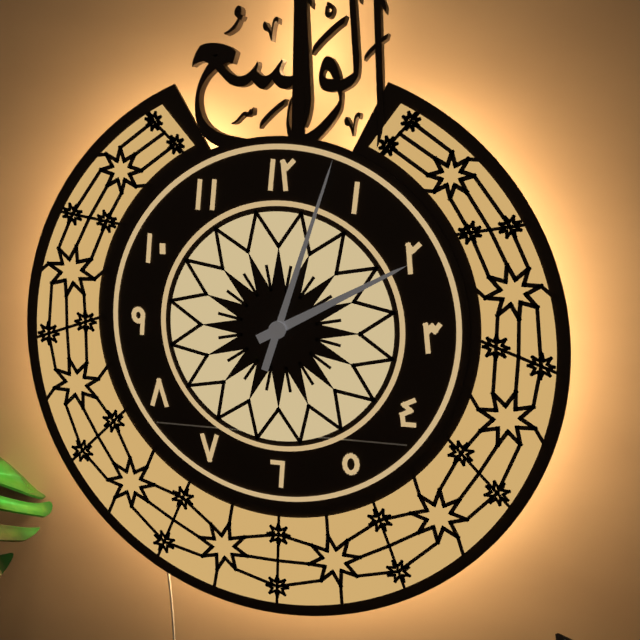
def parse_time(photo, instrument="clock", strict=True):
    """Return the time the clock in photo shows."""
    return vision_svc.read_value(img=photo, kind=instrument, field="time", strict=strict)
2:03
